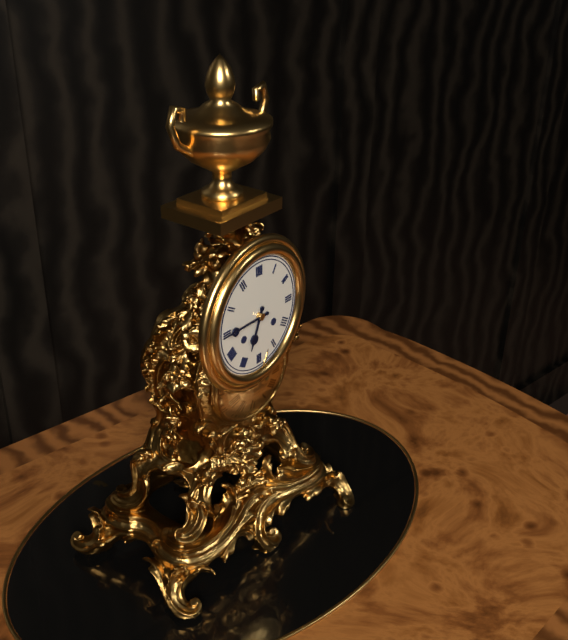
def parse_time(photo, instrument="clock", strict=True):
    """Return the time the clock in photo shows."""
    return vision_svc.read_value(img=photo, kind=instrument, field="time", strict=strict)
6:45
